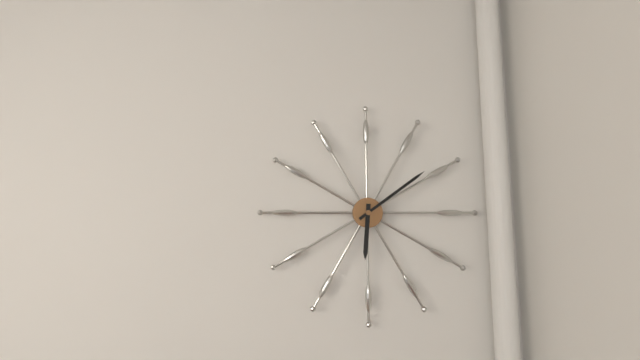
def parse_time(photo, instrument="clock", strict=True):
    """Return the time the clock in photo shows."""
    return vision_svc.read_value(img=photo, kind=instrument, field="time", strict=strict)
6:09
